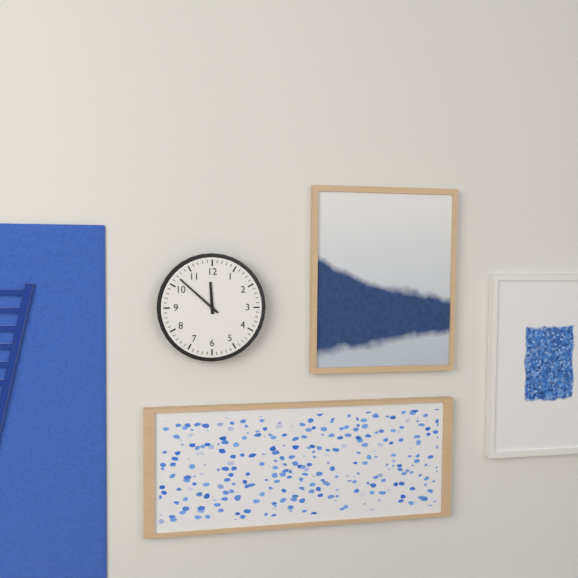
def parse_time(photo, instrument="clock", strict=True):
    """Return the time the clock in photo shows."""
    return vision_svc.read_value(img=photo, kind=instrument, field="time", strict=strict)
11:52
